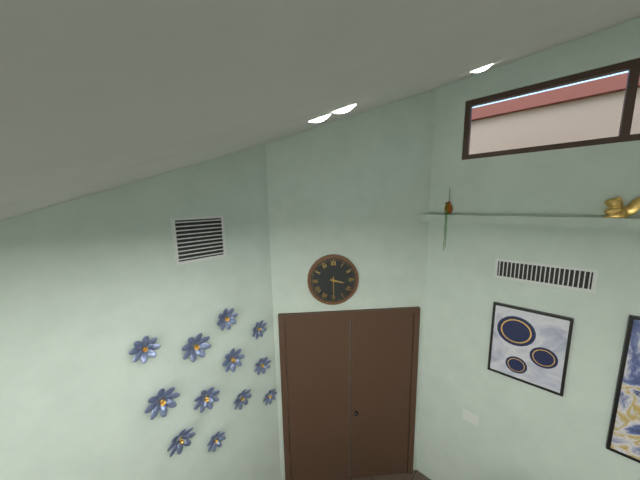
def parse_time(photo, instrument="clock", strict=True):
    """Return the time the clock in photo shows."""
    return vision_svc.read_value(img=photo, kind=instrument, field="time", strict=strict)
3:30
